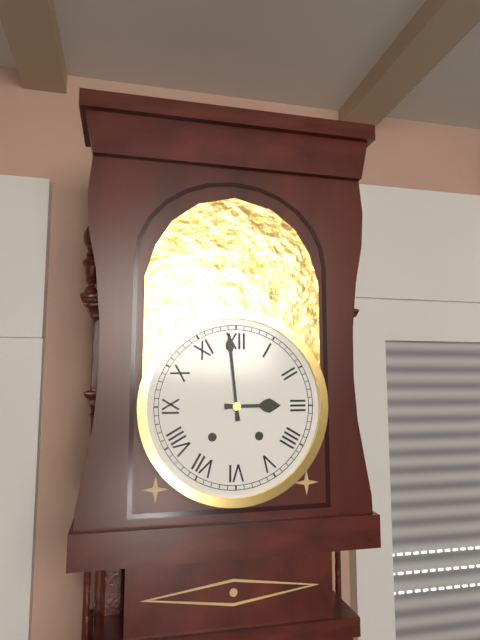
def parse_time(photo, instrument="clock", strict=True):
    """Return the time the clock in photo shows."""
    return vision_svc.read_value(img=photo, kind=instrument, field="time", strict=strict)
2:59
